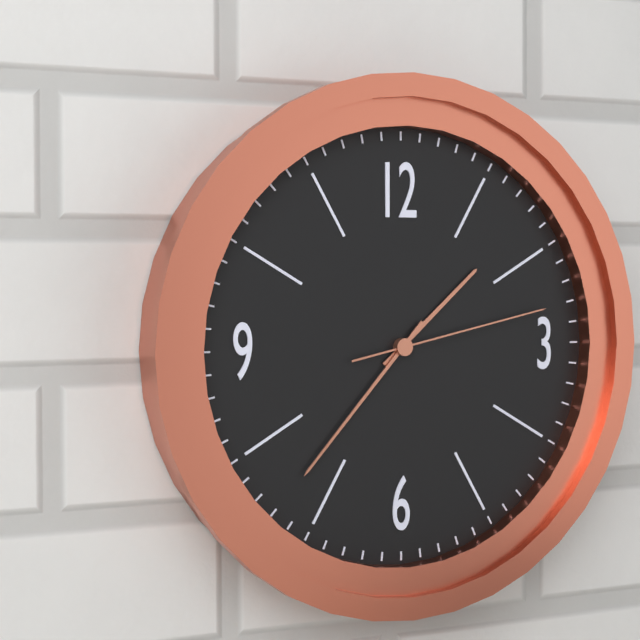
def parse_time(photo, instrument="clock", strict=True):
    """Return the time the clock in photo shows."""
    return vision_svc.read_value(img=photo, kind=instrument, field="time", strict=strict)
1:37:13
